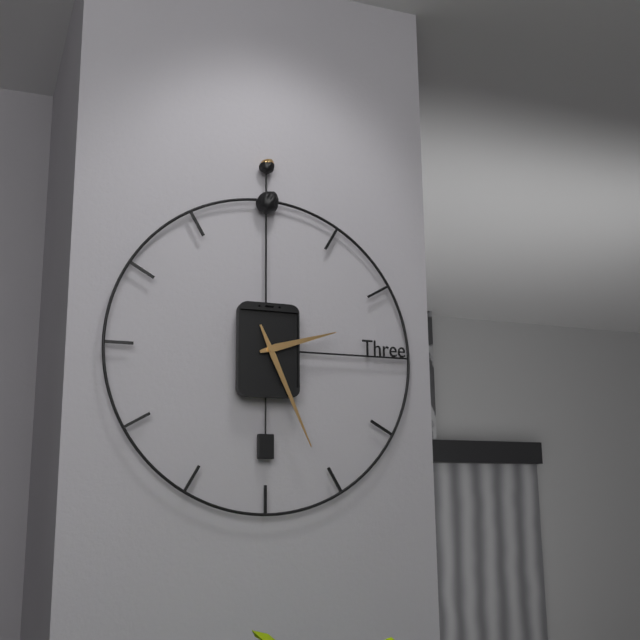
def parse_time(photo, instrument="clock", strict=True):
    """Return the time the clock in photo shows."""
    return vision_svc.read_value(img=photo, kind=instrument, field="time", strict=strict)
2:26
